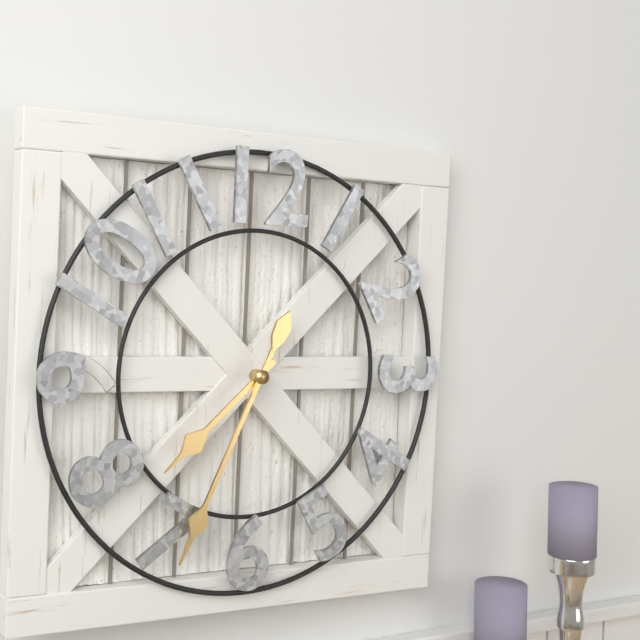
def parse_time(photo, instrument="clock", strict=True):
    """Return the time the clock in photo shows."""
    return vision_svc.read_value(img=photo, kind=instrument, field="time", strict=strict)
7:34
